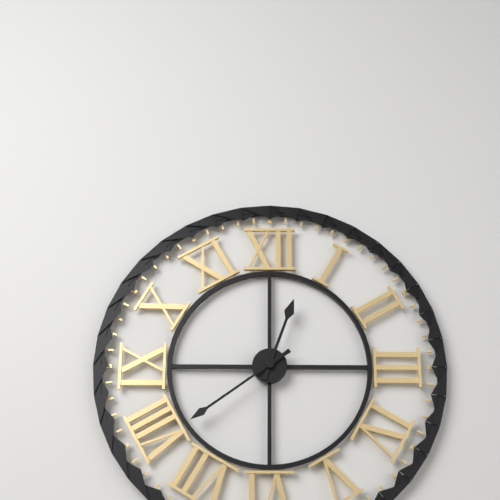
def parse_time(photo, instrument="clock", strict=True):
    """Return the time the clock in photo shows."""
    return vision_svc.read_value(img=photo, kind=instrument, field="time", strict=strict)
12:39
